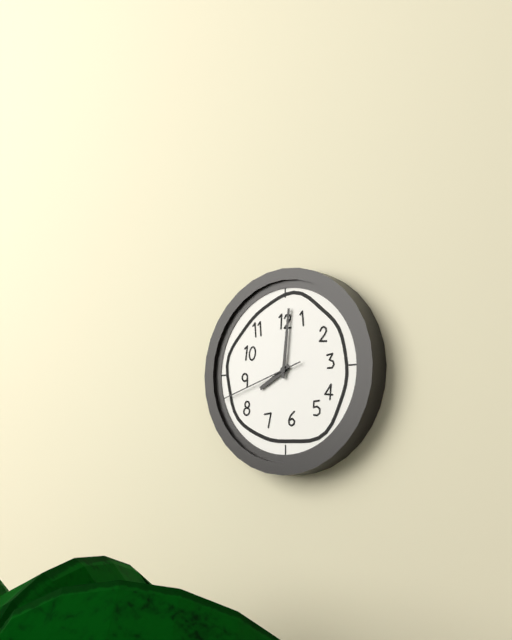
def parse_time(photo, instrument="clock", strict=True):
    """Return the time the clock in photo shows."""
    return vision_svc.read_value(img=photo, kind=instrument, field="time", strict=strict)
8:01:42
